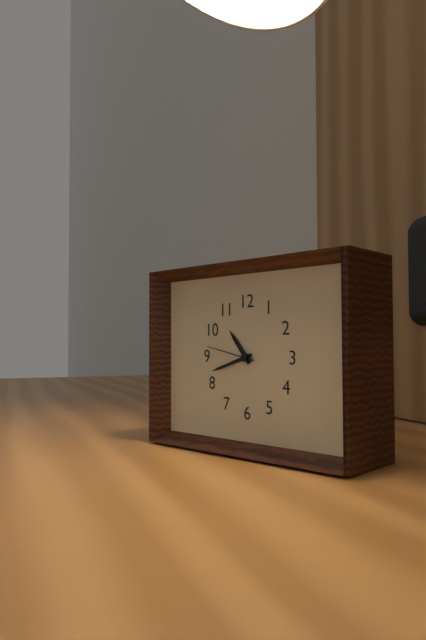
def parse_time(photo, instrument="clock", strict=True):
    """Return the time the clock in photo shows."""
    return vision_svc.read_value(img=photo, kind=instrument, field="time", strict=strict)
10:42:47
